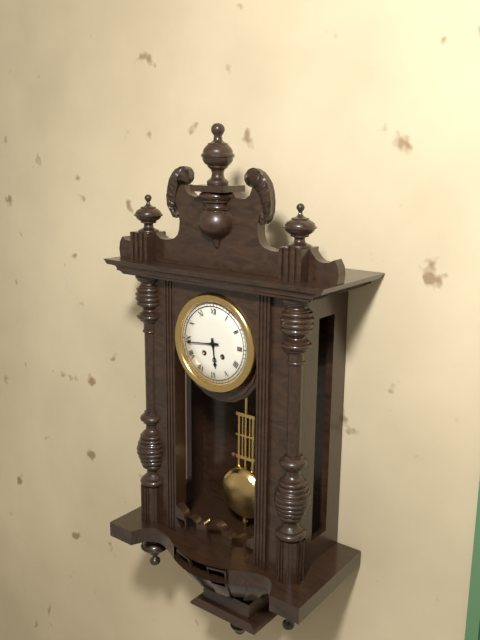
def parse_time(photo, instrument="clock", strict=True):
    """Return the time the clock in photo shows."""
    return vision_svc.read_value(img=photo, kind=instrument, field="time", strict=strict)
5:44
